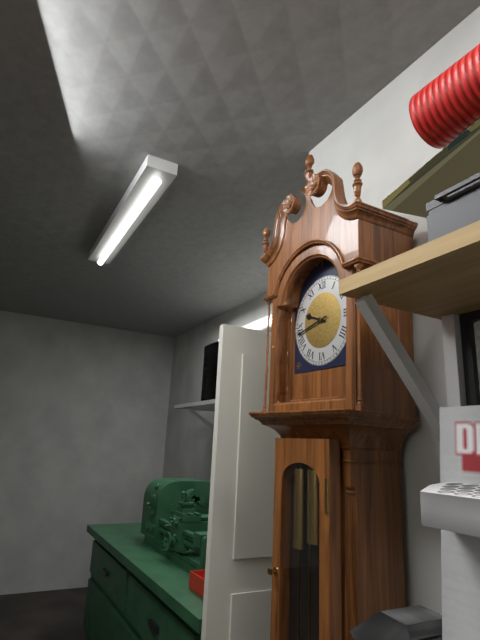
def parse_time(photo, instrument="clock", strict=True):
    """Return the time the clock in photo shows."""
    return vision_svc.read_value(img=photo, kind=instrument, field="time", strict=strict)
9:43
